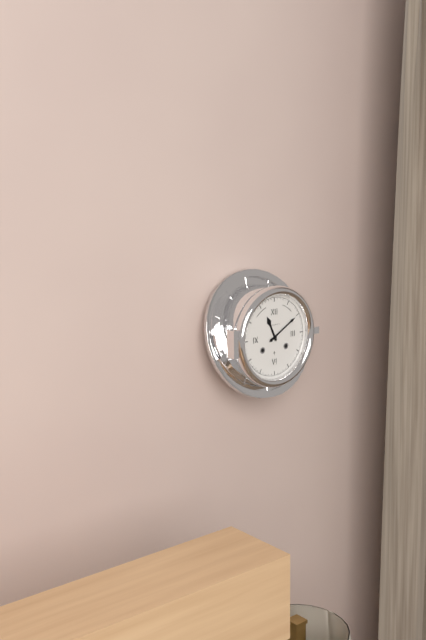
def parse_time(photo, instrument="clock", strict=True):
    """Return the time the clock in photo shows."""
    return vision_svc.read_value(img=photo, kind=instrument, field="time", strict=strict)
11:10
